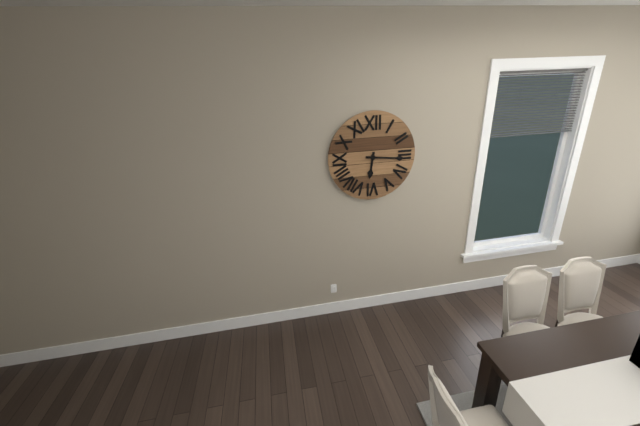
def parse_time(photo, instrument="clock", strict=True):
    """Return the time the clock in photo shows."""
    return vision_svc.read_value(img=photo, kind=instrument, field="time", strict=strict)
6:16
